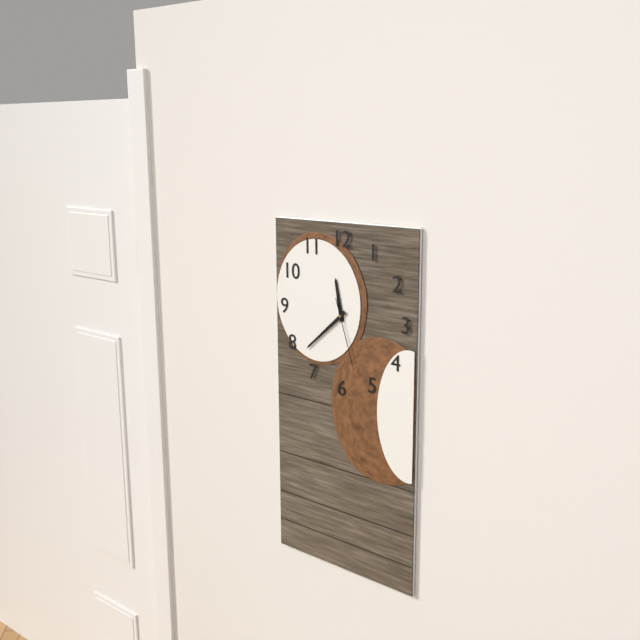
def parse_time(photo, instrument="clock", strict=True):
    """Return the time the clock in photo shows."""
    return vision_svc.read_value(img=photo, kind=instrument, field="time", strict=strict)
11:38:27
